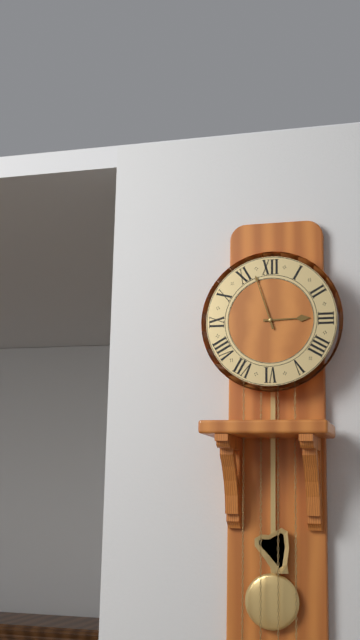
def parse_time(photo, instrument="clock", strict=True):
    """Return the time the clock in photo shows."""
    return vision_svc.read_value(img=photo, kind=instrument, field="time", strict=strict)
2:57
